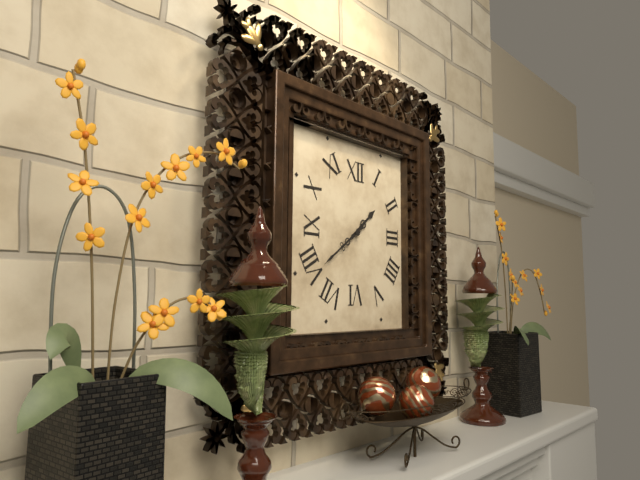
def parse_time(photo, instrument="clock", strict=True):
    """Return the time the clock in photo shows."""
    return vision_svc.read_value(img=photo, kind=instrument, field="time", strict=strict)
1:39
